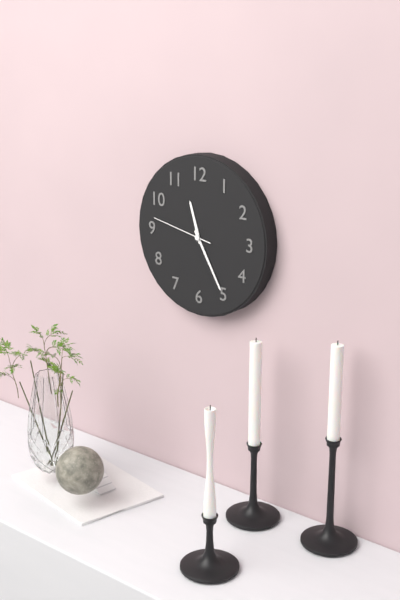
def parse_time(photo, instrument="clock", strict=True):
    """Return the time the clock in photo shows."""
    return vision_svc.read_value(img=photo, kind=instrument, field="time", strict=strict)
11:25:47
